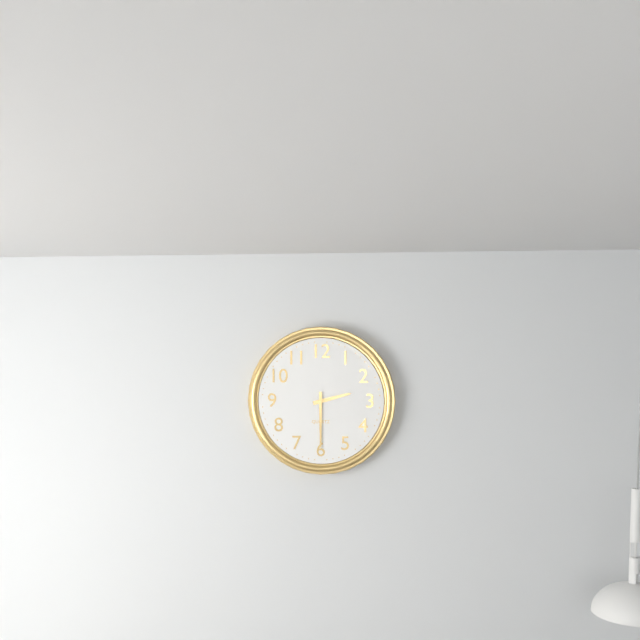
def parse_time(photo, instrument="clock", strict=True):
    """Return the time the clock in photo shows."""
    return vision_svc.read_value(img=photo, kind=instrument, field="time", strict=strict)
2:30
